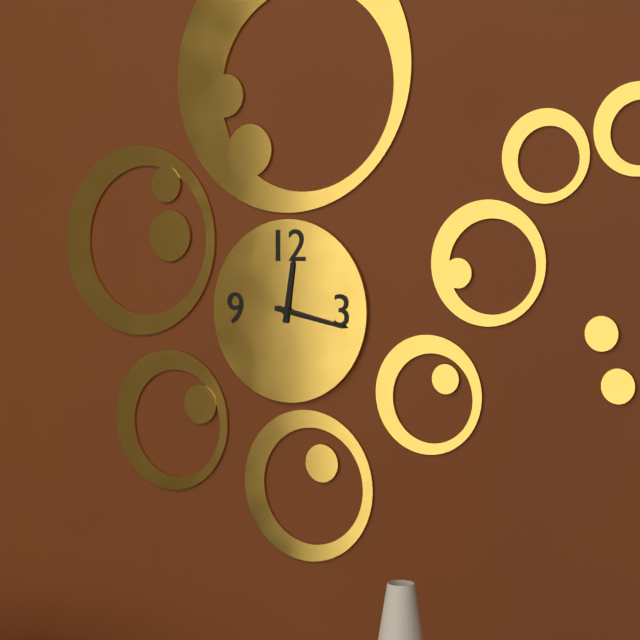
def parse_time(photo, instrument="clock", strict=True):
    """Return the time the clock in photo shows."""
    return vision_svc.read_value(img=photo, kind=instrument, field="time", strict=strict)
12:17
